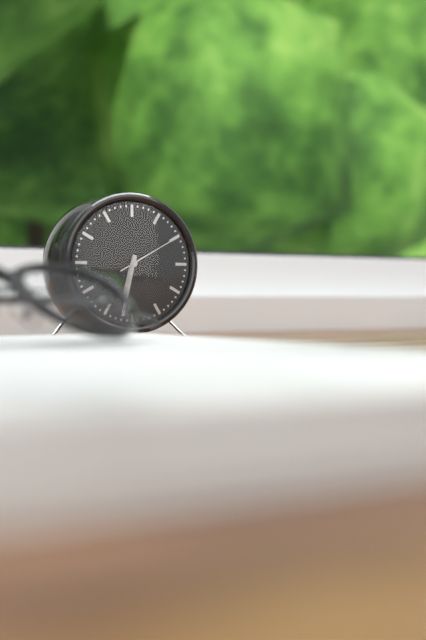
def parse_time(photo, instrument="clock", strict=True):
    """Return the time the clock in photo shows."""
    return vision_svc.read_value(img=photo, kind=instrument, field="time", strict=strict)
6:32:10
